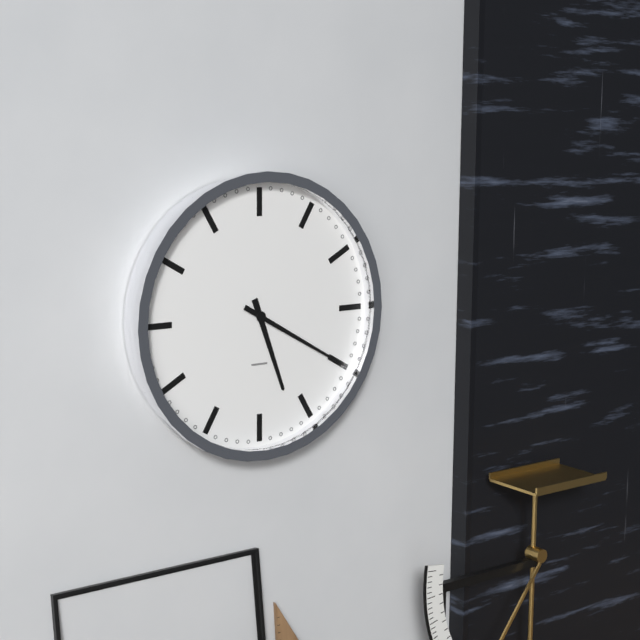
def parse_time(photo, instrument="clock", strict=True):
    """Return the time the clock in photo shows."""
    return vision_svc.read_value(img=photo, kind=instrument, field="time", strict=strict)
5:20
